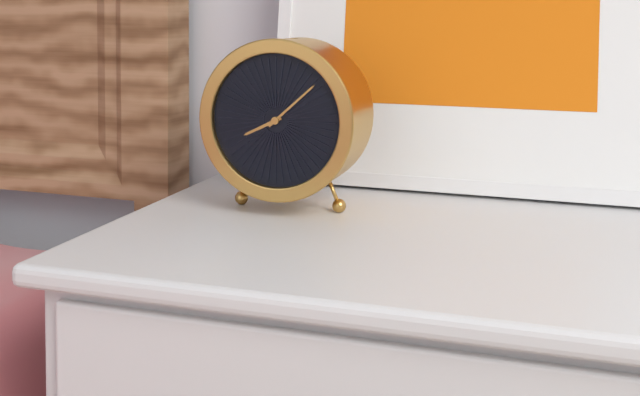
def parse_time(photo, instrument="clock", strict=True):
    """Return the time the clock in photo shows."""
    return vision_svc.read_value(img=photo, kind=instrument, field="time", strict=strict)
8:08
